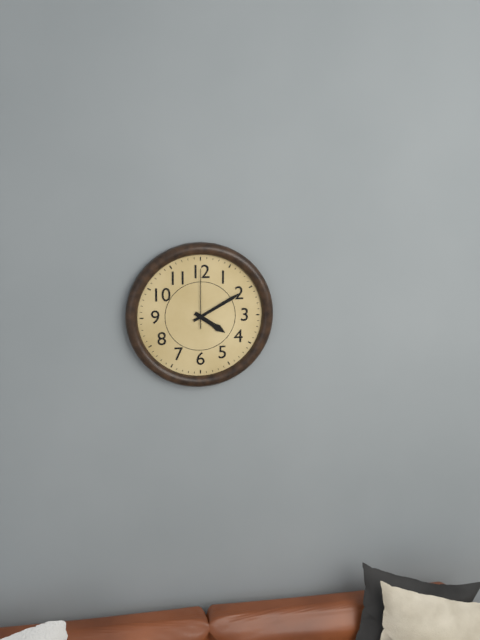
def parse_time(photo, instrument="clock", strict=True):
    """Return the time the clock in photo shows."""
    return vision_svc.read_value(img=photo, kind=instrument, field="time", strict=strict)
4:10:00
